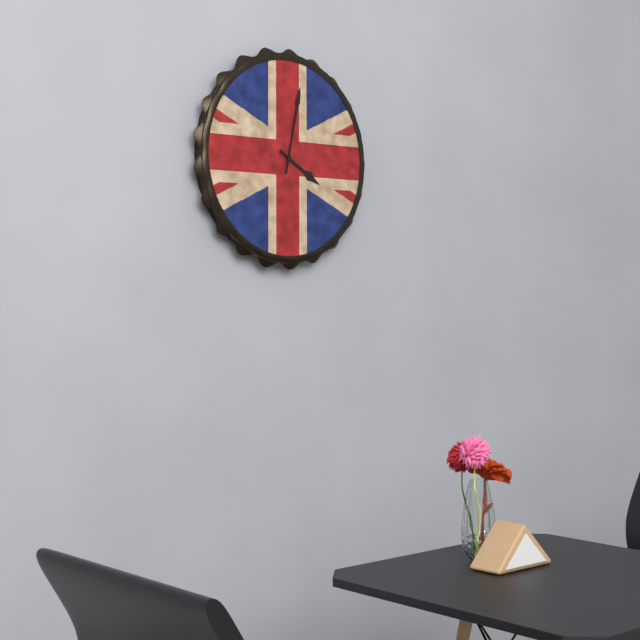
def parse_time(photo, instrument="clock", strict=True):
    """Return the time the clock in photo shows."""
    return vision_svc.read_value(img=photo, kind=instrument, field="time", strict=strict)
4:02
